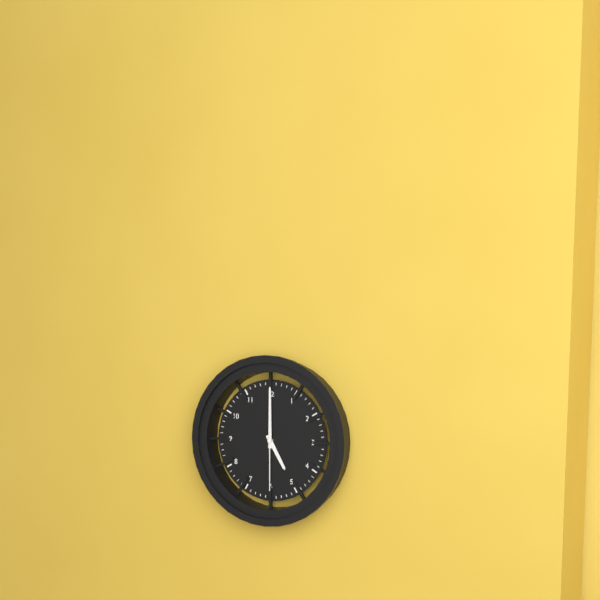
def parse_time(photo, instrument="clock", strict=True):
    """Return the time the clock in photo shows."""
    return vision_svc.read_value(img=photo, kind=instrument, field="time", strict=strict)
5:00:30
